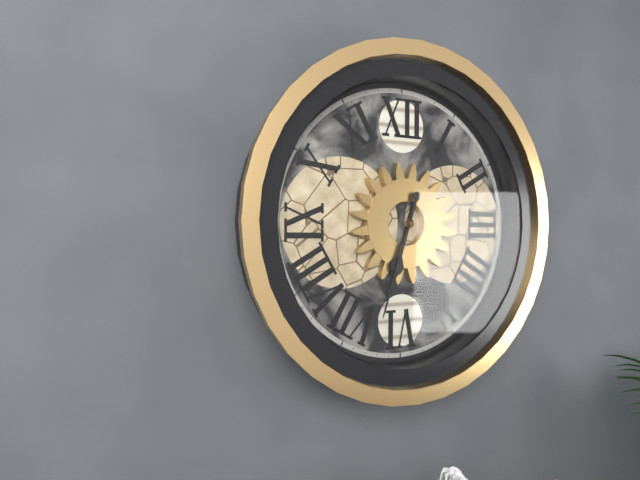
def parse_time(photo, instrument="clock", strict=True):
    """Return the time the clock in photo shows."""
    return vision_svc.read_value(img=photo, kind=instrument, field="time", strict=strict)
6:33
